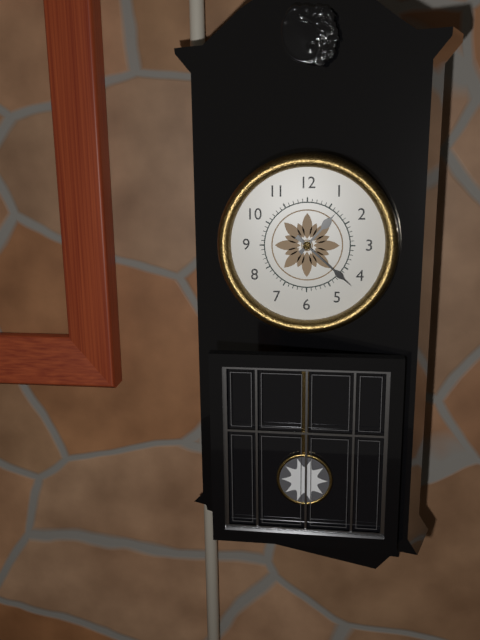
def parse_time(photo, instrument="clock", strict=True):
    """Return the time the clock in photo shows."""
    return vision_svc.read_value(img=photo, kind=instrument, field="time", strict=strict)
1:22
